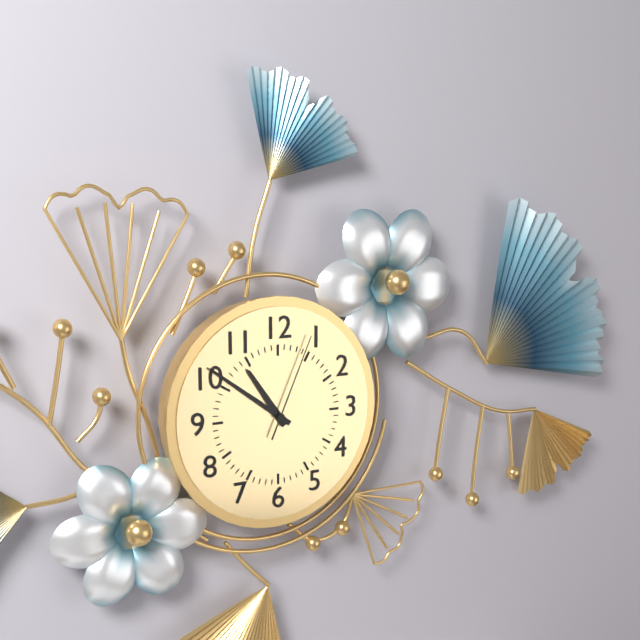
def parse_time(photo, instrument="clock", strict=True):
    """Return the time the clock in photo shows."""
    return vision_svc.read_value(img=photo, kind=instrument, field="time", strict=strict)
10:51:04
